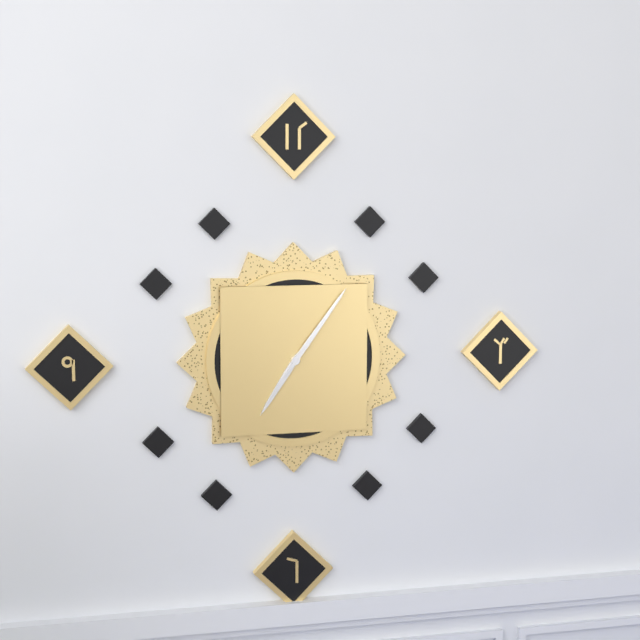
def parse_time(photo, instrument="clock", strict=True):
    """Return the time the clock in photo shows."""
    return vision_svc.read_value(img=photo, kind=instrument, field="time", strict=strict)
7:06
